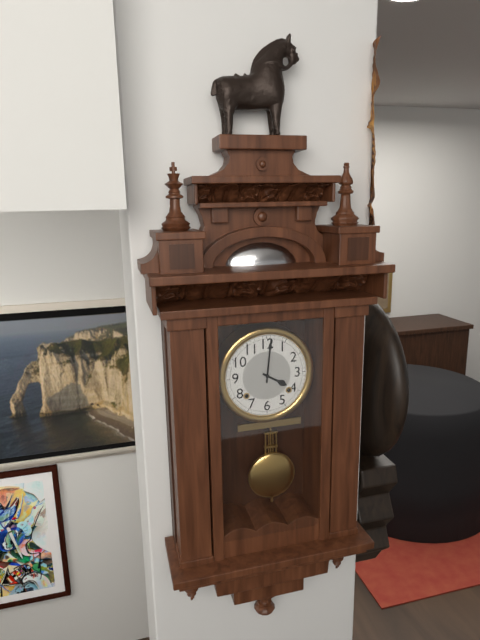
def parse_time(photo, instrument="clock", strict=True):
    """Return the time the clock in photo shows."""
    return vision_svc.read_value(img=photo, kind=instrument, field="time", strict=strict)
4:01
